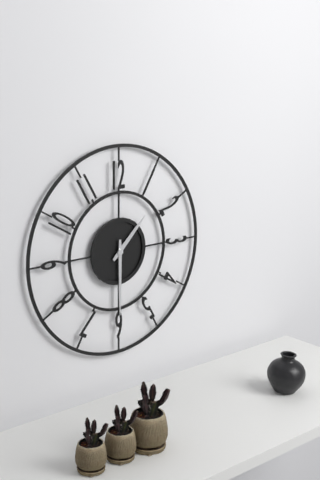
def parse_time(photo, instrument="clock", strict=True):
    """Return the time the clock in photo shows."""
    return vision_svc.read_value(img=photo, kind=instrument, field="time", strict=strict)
1:30
